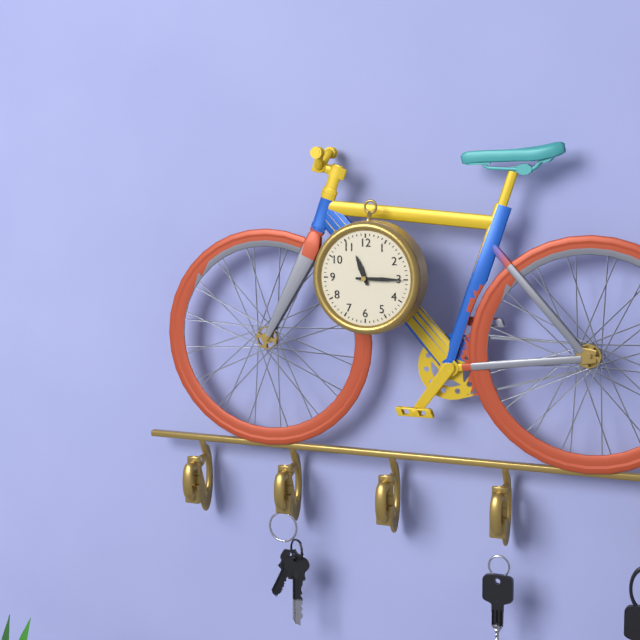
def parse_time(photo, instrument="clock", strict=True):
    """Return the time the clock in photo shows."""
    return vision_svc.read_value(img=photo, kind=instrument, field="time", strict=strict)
11:15
